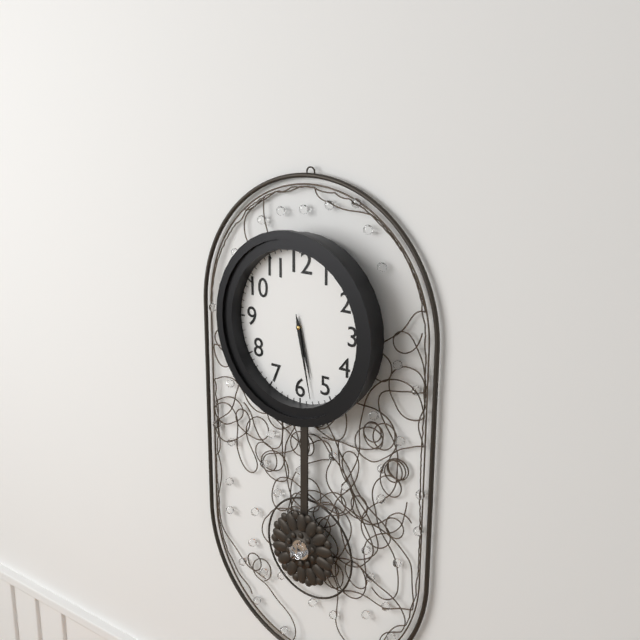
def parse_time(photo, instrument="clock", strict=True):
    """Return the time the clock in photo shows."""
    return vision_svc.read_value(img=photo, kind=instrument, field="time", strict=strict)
5:28
